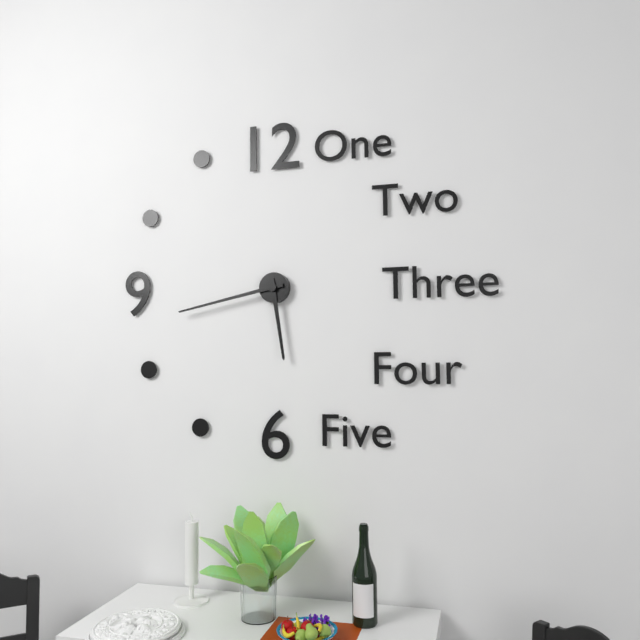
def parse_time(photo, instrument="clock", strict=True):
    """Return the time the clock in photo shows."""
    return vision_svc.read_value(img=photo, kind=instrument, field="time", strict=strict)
5:43
